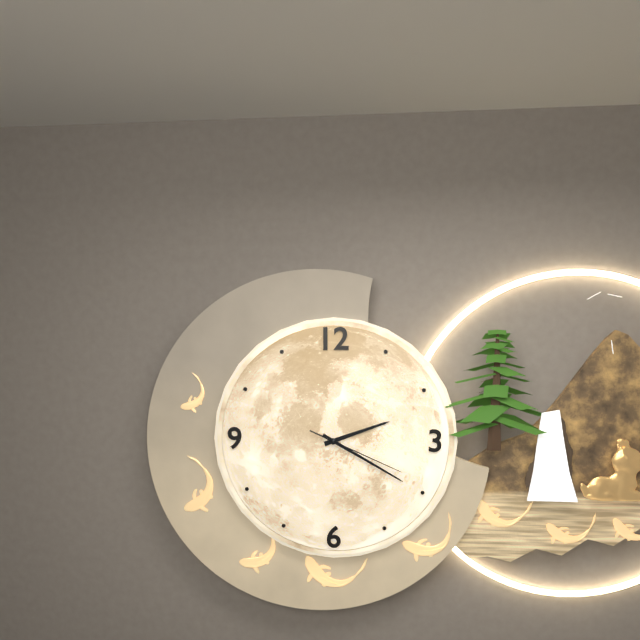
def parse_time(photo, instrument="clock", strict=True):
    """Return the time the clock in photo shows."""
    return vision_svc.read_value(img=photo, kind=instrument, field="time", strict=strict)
2:20:19
